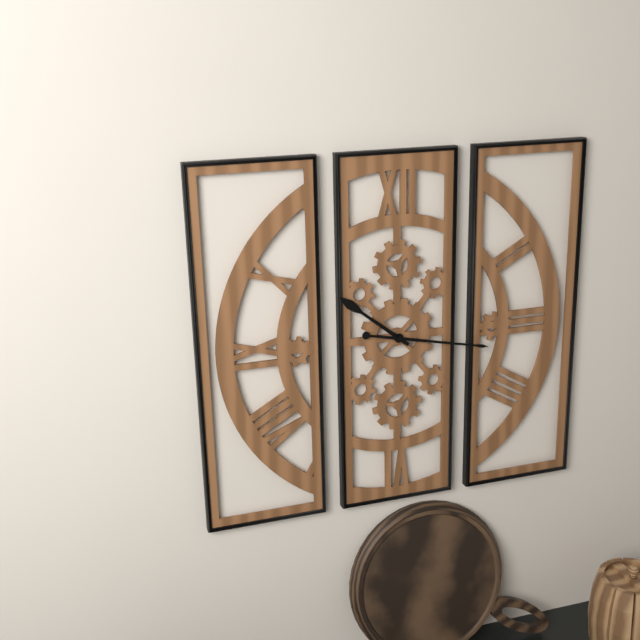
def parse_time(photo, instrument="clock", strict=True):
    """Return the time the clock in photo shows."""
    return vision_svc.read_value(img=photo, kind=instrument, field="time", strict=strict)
10:17
